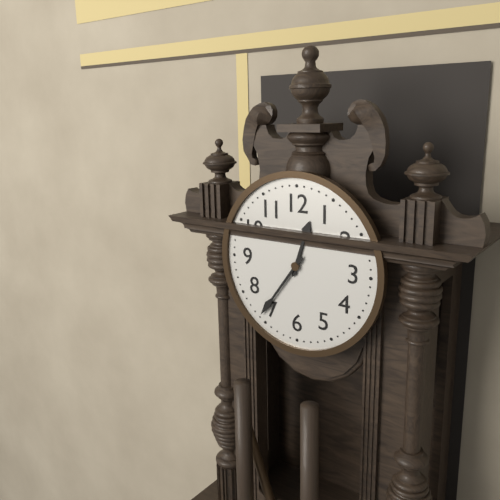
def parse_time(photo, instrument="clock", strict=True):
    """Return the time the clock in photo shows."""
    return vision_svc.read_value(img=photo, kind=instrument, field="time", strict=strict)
12:36
